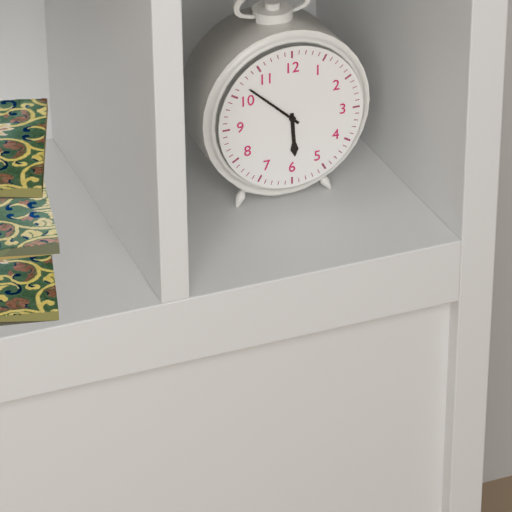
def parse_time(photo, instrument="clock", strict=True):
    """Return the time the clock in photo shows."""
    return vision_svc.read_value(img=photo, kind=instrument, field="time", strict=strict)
5:52
